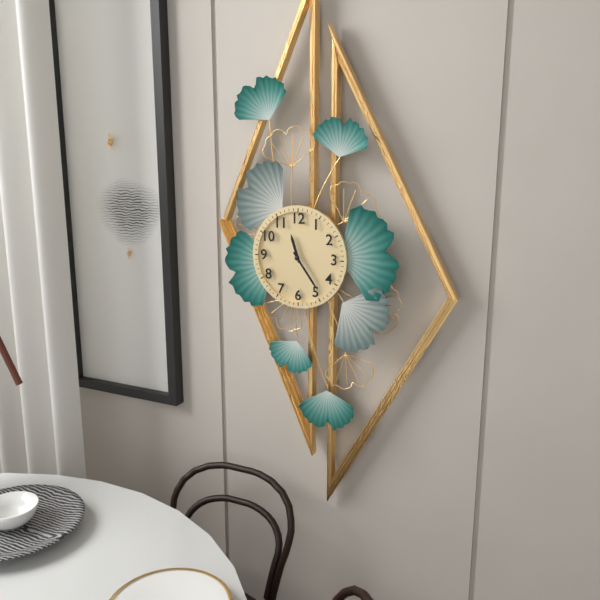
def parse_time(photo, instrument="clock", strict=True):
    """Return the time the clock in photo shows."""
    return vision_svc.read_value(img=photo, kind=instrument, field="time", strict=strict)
11:24
